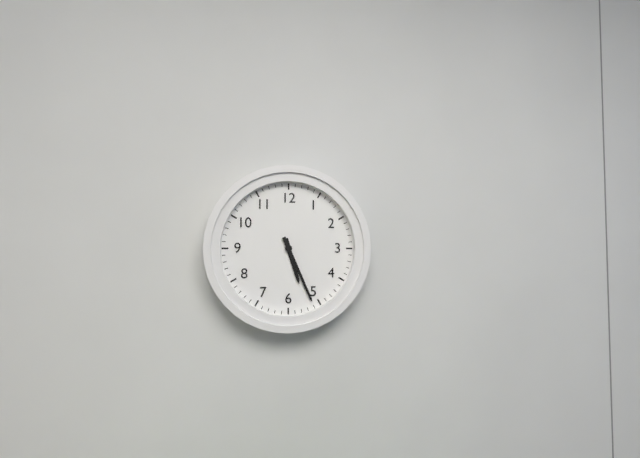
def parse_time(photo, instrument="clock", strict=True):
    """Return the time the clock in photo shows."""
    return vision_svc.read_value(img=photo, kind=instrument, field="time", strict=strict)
5:26
